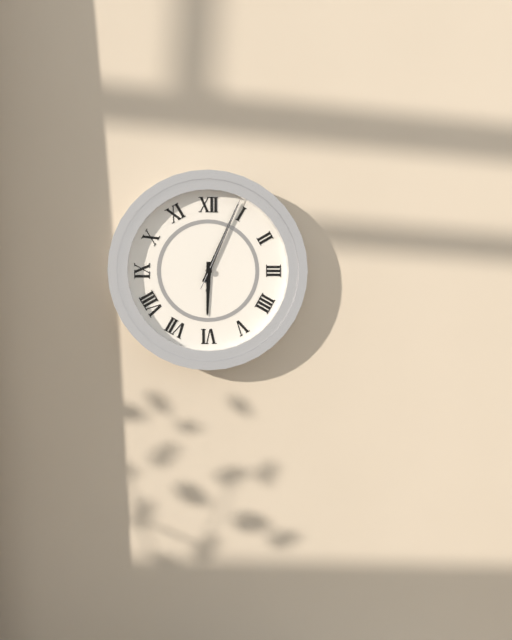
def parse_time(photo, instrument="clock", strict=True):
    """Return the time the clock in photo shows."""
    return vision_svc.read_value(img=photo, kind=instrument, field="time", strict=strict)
6:04:04
